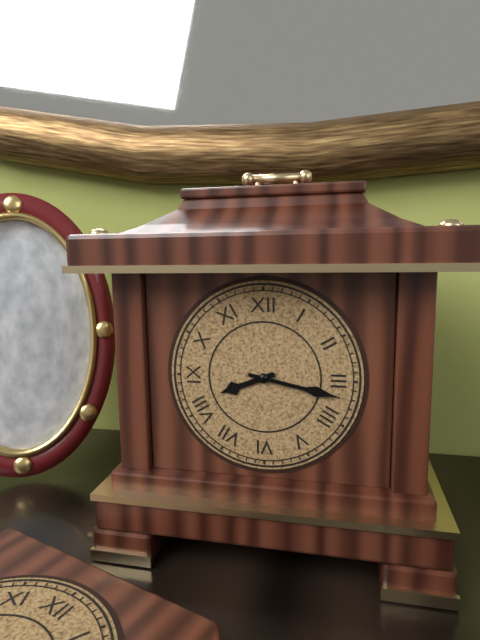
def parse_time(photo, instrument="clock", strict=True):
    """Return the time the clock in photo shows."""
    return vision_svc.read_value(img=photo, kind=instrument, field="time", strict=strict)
8:17
